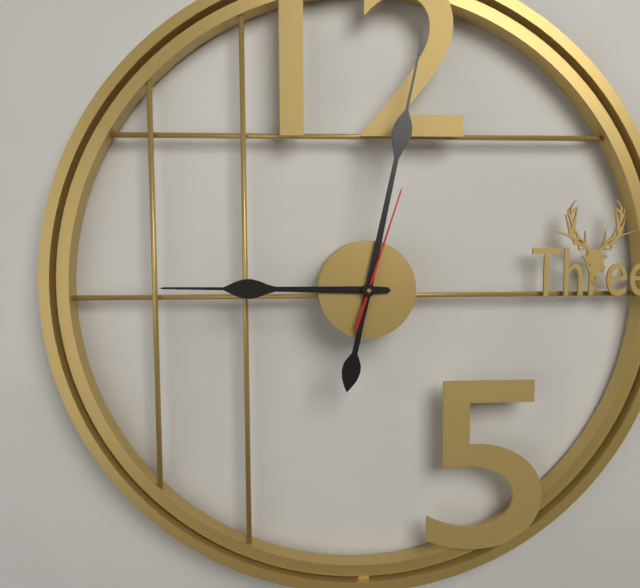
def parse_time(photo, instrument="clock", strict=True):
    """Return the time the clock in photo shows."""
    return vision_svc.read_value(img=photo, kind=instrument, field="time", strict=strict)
9:02:03
